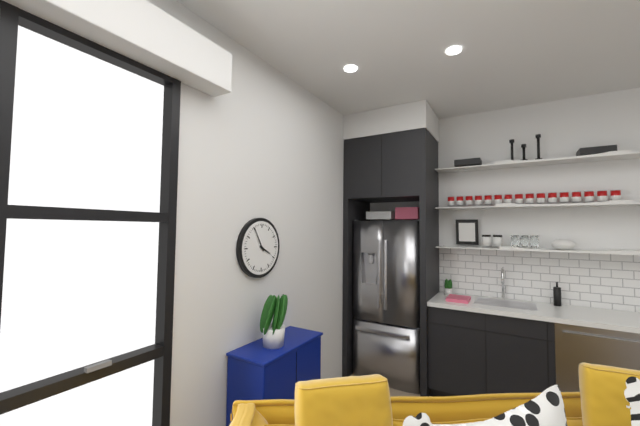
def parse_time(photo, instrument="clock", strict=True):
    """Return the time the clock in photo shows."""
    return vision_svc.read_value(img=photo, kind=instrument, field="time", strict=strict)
3:55
